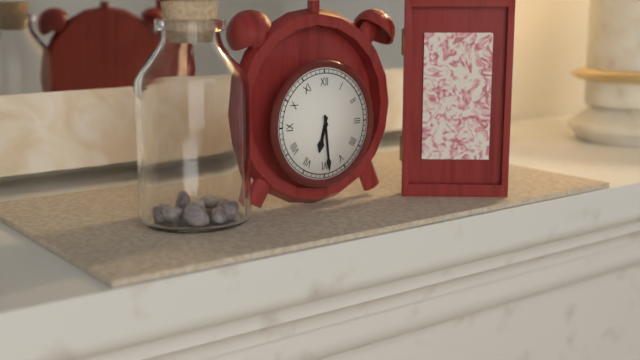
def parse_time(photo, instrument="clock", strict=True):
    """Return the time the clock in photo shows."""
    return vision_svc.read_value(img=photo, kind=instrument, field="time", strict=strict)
6:29
